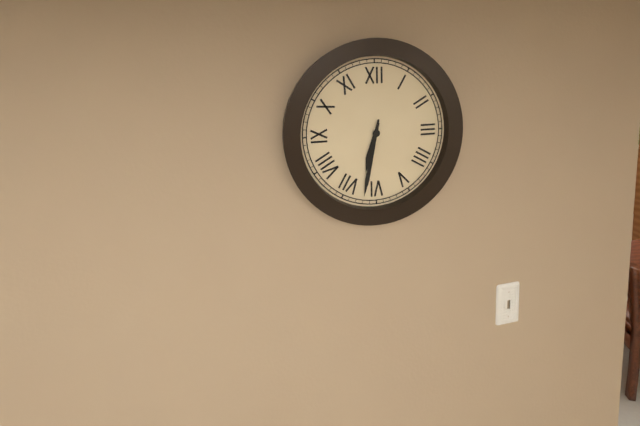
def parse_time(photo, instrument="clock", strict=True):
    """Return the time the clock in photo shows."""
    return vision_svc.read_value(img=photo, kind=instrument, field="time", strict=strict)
6:32
